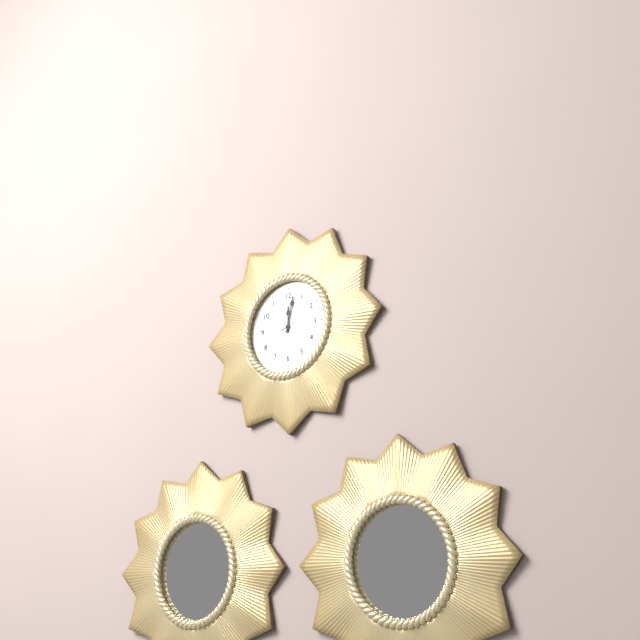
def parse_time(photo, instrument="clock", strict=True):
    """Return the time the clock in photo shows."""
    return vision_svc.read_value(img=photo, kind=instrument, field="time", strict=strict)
12:02
